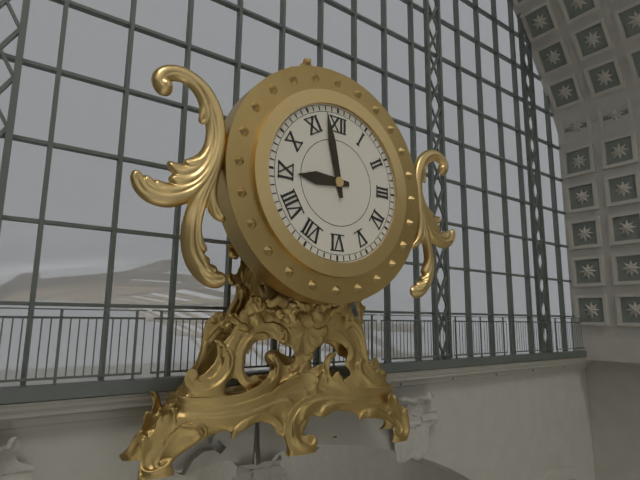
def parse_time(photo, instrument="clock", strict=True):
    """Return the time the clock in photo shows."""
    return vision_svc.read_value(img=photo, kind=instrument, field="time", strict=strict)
8:58
